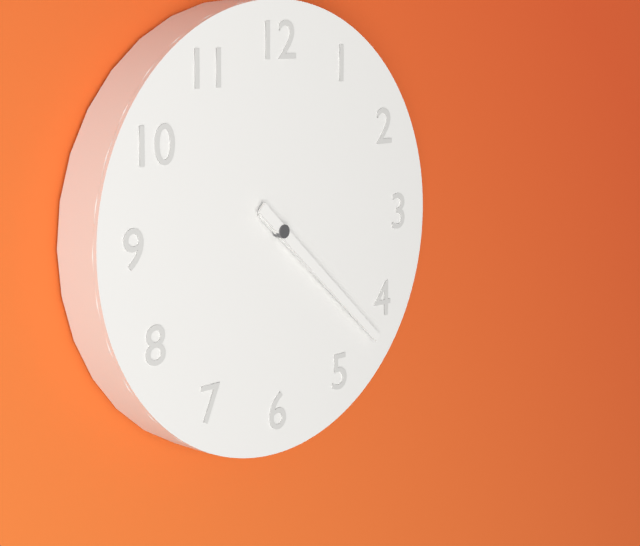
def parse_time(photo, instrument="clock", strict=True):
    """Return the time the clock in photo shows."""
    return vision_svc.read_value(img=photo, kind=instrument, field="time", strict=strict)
4:22
